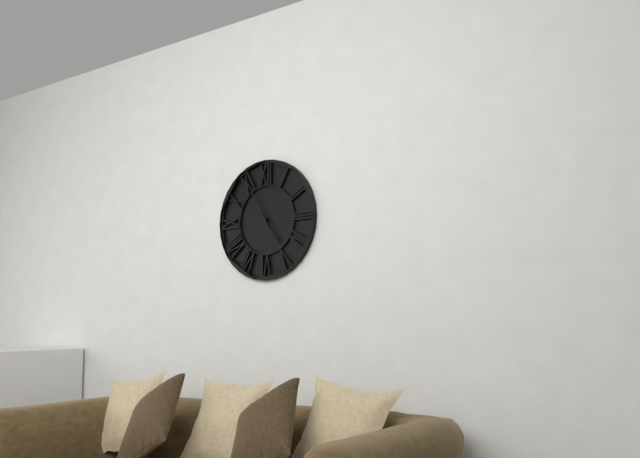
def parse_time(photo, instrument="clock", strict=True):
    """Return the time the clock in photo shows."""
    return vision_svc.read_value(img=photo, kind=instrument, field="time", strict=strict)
4:55
